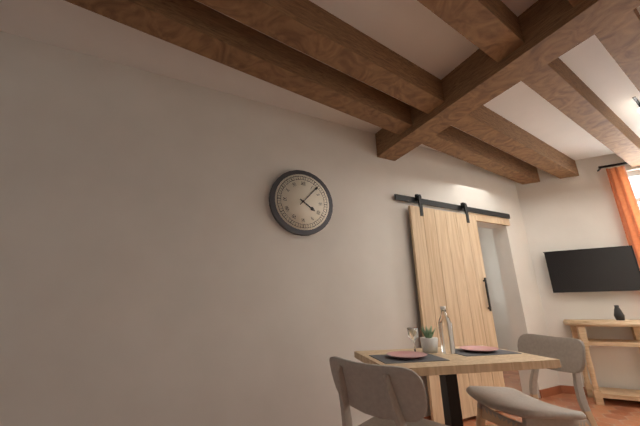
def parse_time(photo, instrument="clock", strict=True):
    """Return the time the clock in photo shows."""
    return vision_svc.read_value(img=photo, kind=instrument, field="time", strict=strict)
4:07
